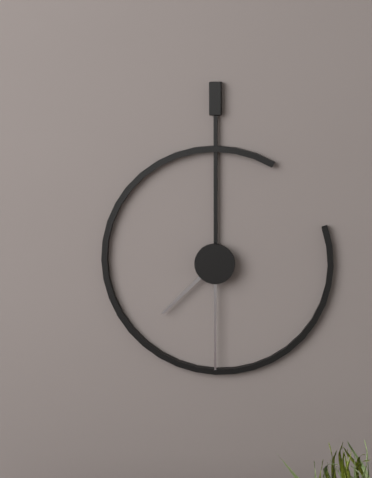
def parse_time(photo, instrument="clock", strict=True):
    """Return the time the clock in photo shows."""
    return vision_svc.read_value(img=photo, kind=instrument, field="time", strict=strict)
7:30
